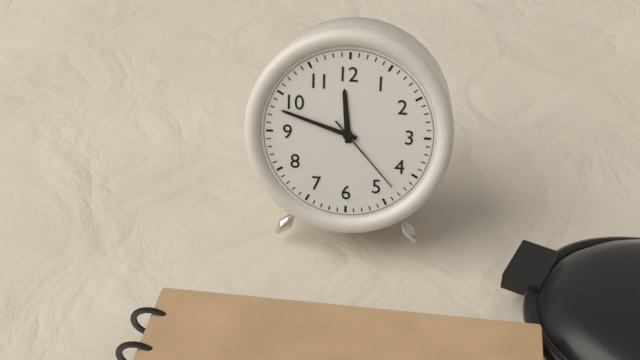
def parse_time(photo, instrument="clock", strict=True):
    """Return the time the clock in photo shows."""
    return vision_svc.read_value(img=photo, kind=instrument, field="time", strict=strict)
11:48:23
